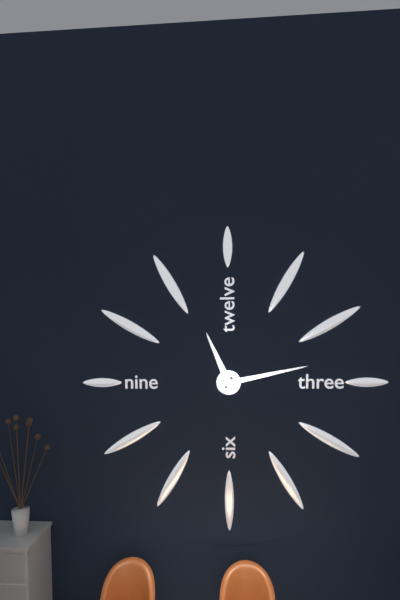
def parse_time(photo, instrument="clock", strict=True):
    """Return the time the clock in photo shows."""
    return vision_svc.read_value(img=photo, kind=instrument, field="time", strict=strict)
11:13
